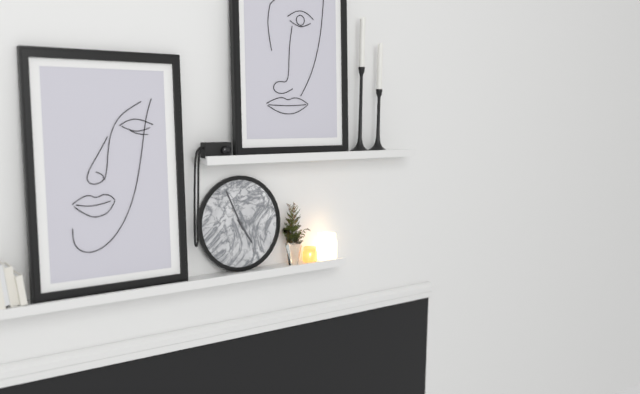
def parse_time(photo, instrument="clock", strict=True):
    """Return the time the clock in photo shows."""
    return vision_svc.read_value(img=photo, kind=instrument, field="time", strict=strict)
4:56
